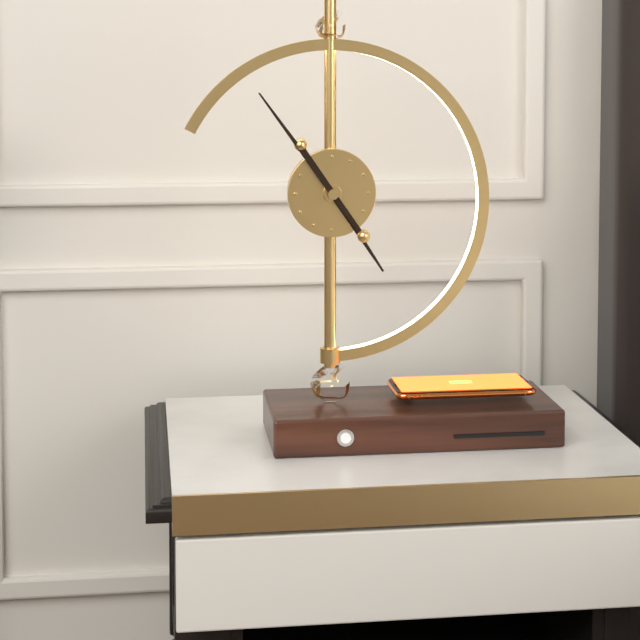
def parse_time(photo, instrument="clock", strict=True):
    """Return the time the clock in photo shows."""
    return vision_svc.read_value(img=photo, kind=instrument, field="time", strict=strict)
4:54
